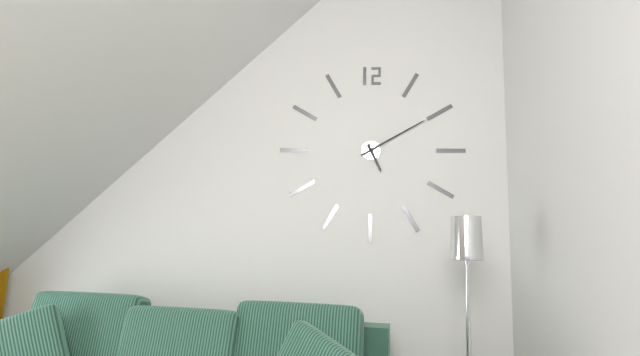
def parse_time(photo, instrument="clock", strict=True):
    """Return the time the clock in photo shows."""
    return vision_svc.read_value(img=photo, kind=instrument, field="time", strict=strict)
5:10
